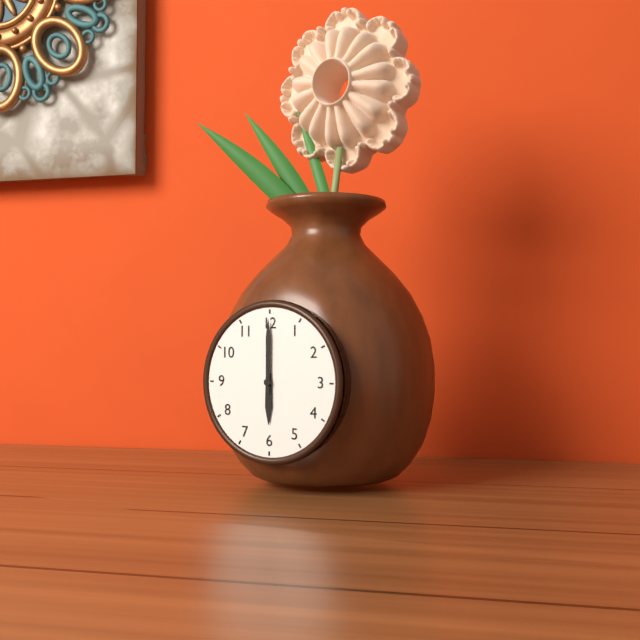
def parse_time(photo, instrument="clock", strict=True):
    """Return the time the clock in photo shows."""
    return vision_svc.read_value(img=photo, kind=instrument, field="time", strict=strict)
6:00
